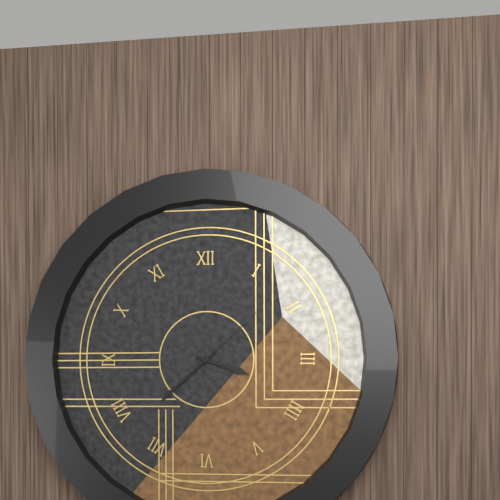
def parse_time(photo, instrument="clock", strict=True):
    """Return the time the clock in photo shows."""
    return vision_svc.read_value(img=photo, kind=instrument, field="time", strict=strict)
3:38:08
